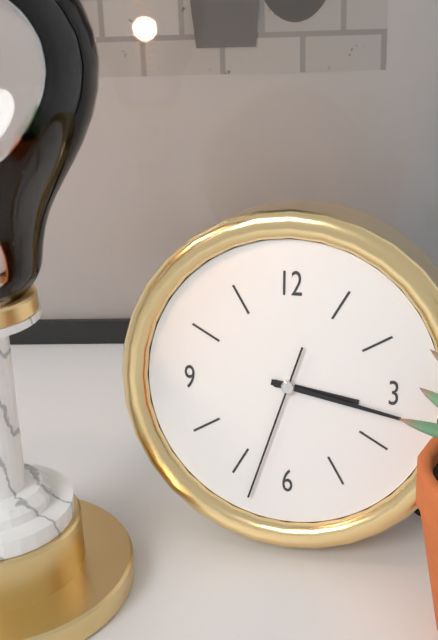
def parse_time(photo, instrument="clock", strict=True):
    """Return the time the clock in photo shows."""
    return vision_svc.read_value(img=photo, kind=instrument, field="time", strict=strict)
3:17:33
